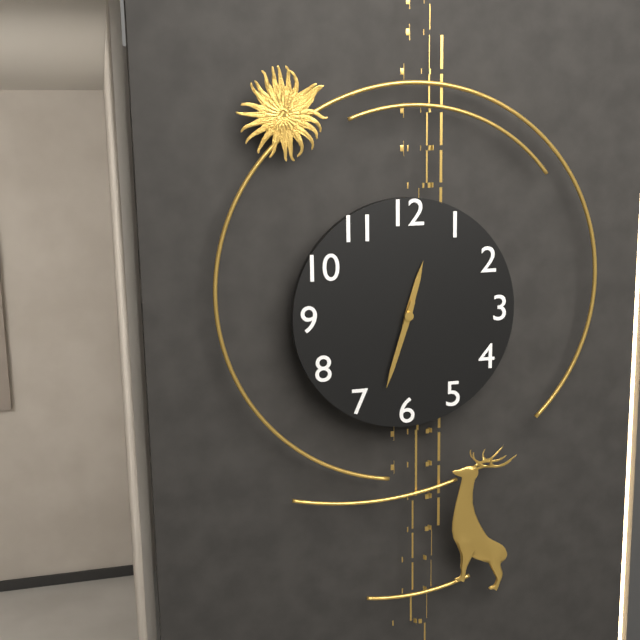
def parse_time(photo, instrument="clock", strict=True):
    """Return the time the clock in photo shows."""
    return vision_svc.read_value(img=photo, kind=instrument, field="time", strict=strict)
12:33
